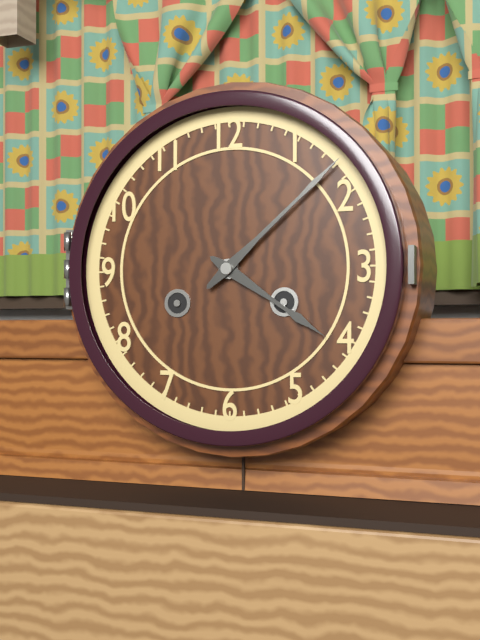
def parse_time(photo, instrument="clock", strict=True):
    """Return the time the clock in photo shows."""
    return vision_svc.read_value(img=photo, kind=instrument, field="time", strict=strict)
4:08
